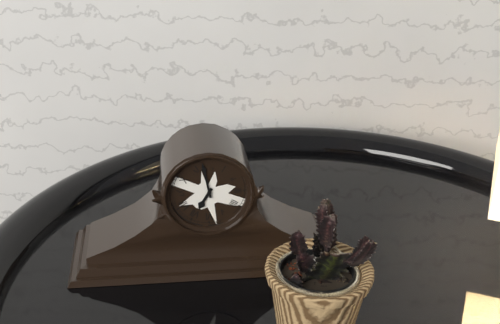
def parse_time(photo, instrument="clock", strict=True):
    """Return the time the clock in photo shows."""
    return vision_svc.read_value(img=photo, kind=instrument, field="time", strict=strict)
6:58
